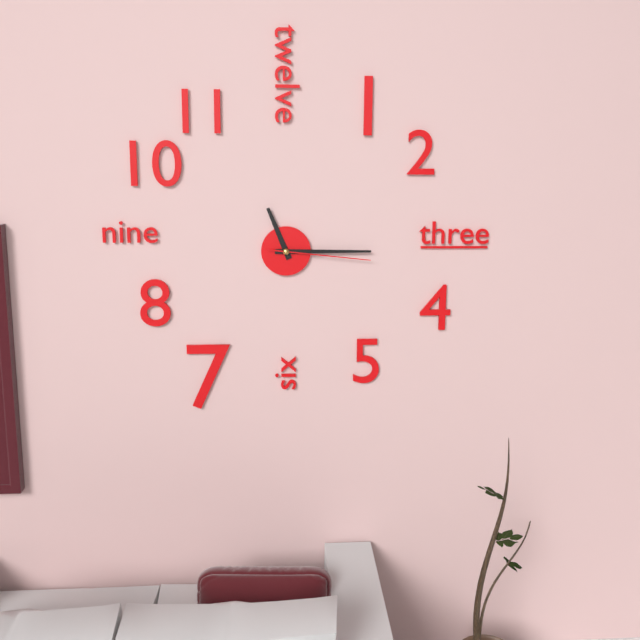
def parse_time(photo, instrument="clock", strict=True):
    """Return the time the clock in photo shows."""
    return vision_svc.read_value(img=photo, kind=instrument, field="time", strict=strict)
11:15:16
